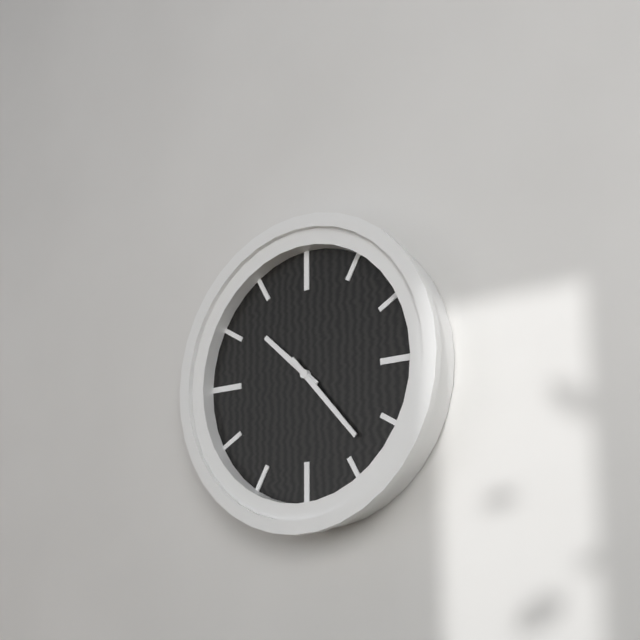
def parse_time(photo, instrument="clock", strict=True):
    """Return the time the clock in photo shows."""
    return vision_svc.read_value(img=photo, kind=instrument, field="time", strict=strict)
10:23
